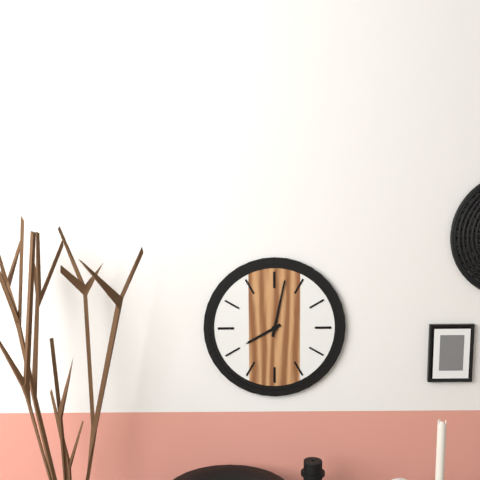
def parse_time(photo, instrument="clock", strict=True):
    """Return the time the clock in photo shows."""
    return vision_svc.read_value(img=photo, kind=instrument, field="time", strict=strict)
8:02
